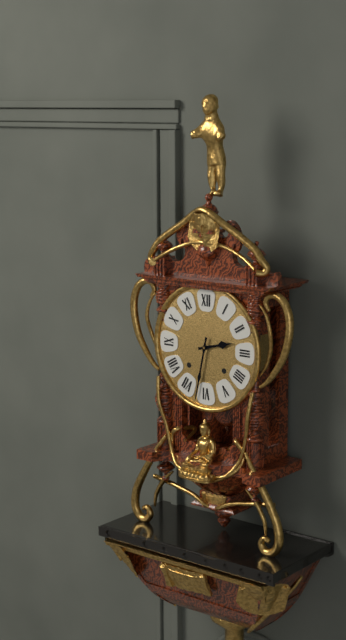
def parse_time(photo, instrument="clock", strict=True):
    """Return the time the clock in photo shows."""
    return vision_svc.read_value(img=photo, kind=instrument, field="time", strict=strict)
2:32
